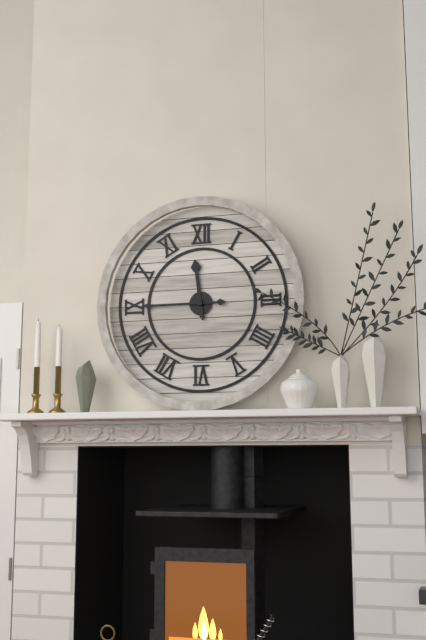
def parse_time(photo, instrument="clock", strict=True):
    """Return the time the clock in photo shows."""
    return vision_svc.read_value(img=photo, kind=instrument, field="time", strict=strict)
11:45
